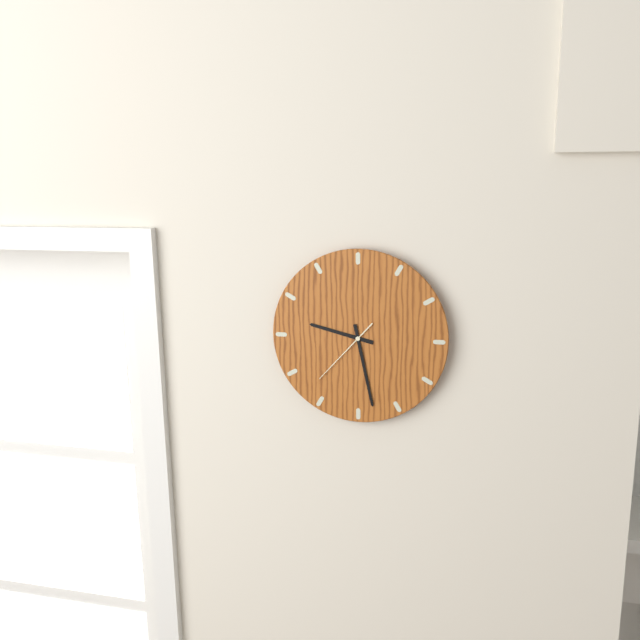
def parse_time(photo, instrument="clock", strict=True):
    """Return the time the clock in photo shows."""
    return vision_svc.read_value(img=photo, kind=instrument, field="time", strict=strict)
9:28:37
